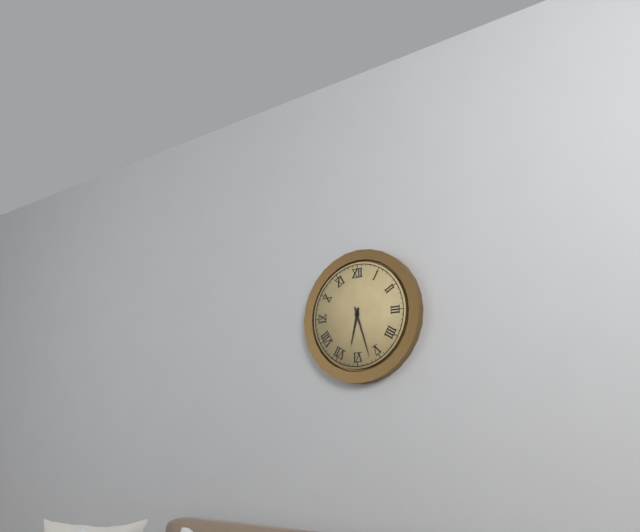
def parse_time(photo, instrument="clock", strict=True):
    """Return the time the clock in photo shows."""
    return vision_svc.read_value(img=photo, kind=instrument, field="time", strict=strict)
6:27
